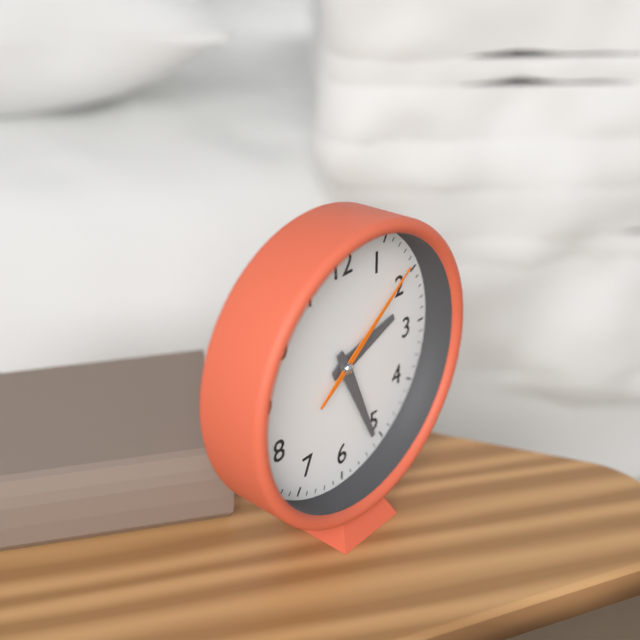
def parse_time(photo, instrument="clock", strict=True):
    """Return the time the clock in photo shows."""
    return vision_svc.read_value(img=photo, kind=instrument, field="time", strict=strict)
2:26:09
